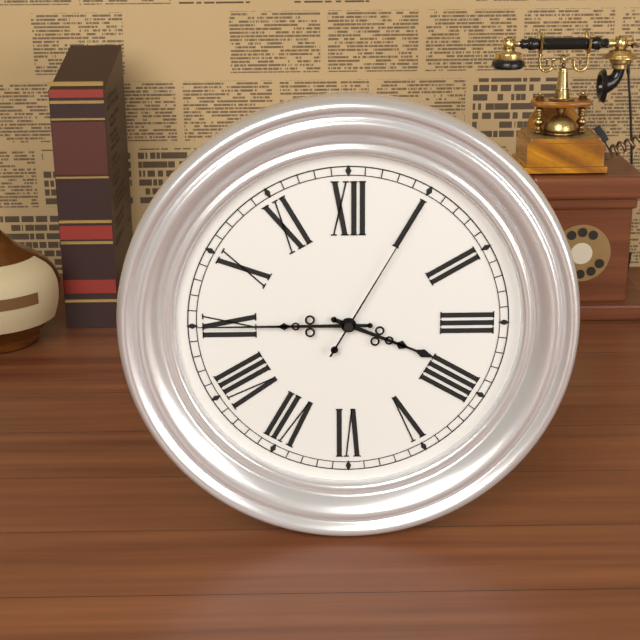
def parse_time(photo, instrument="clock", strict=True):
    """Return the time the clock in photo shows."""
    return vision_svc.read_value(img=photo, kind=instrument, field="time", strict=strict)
3:45:05
